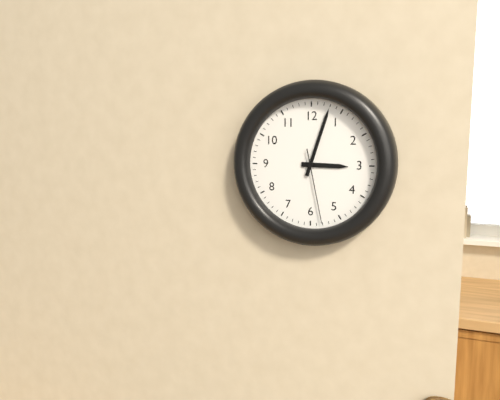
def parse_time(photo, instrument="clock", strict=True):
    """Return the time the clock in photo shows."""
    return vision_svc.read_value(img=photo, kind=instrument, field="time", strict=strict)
3:03:28
